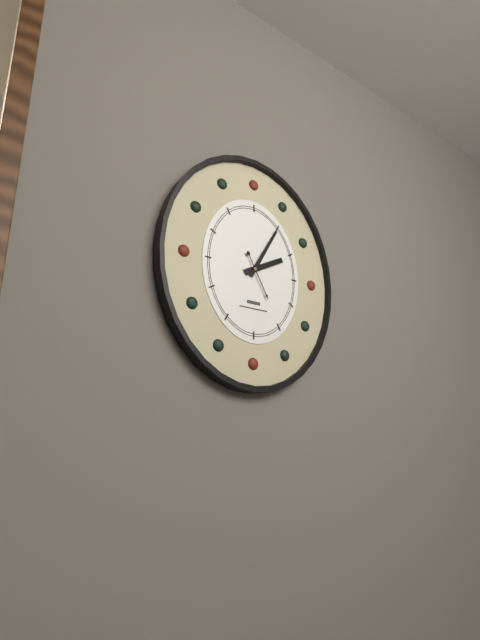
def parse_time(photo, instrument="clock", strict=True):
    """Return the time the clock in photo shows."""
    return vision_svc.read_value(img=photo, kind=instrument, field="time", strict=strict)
2:05
